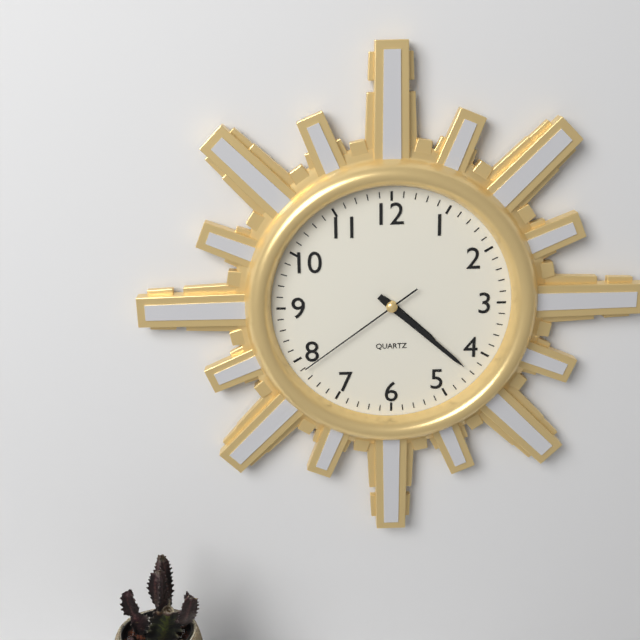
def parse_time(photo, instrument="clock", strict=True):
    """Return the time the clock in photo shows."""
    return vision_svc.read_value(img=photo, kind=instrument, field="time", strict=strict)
4:22:39
